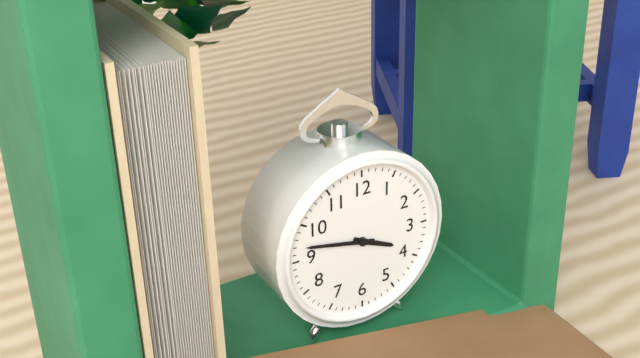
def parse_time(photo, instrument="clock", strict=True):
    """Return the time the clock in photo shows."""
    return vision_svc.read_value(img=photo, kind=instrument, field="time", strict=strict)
3:47
